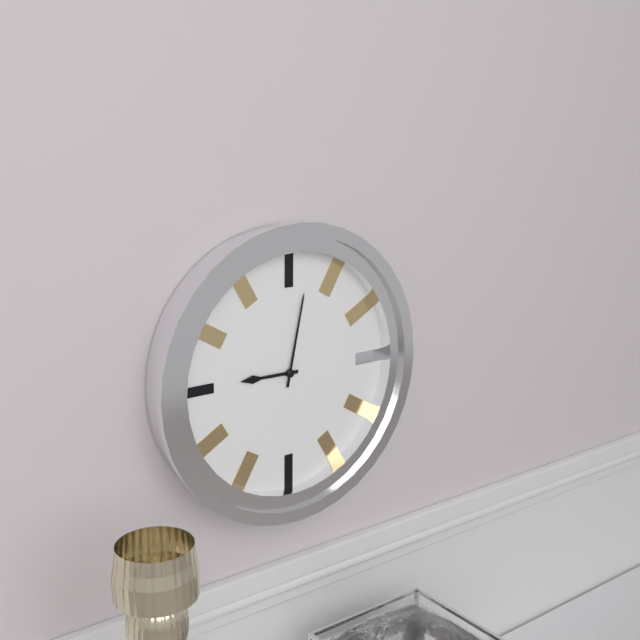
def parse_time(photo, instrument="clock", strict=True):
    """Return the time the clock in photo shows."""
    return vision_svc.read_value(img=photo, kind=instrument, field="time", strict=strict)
9:02
